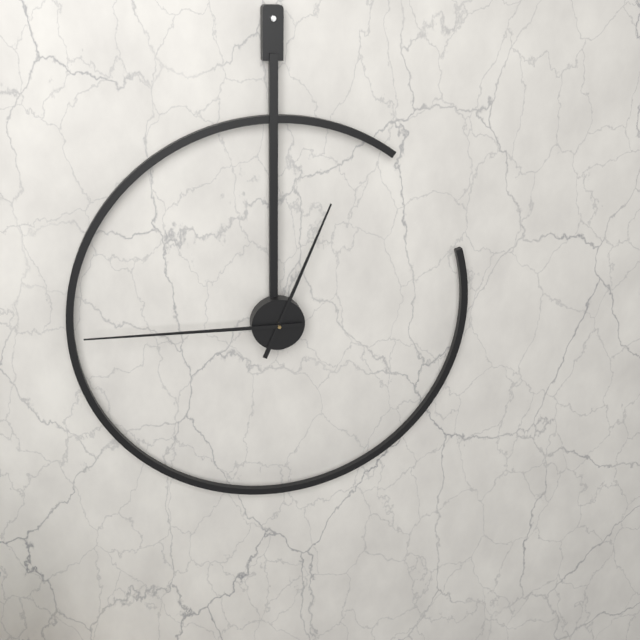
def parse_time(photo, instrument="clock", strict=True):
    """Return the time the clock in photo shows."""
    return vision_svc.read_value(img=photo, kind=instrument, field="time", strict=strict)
12:45
